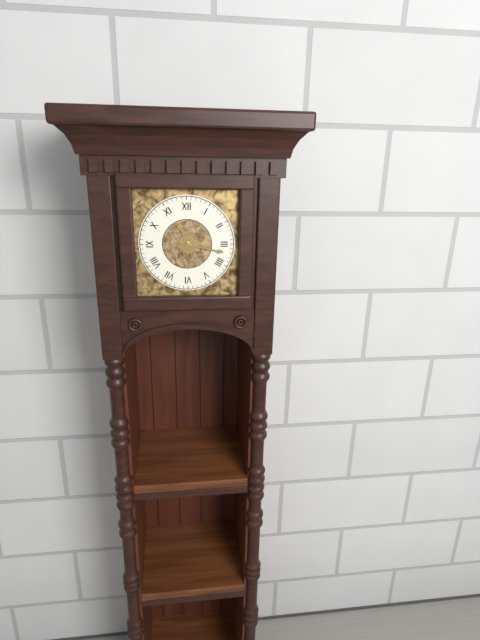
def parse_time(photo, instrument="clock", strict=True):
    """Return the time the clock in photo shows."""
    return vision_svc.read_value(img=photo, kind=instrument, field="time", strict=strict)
11:17
